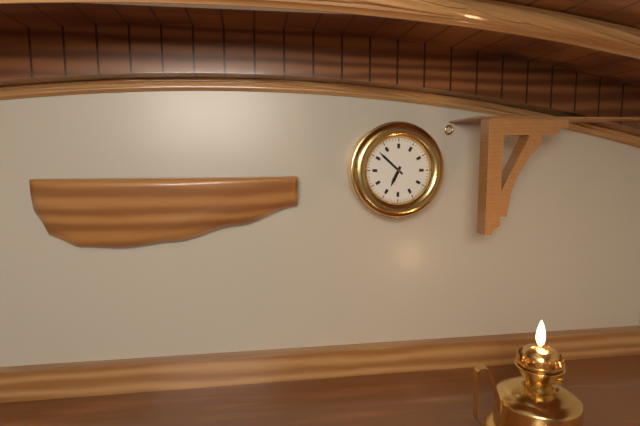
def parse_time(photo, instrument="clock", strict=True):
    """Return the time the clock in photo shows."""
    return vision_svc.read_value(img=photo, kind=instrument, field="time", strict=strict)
6:52
